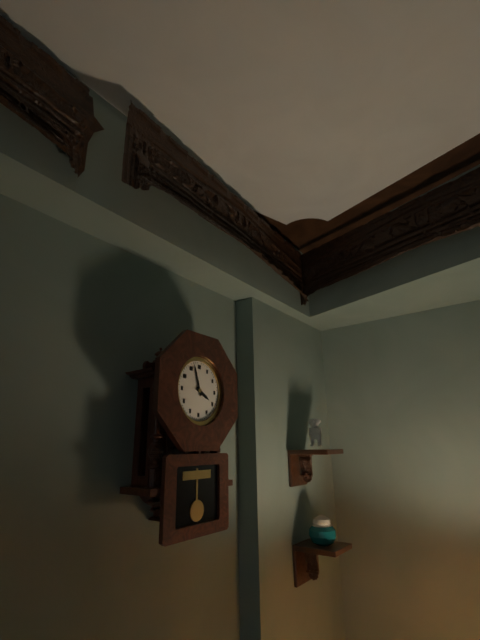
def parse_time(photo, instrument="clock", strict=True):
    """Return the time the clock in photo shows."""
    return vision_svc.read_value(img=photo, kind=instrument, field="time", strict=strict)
3:57
